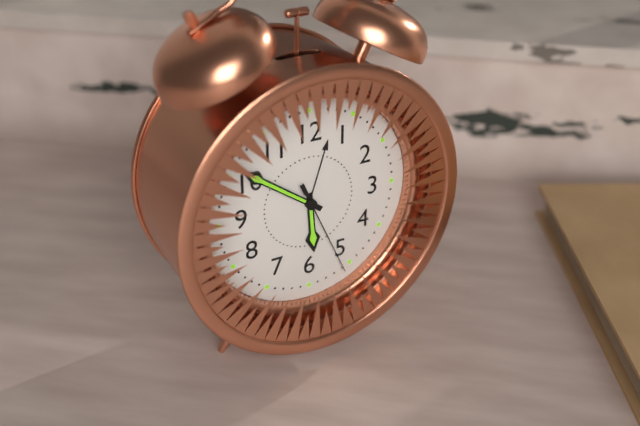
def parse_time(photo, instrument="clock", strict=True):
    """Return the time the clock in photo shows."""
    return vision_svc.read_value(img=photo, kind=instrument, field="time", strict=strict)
5:51:26
